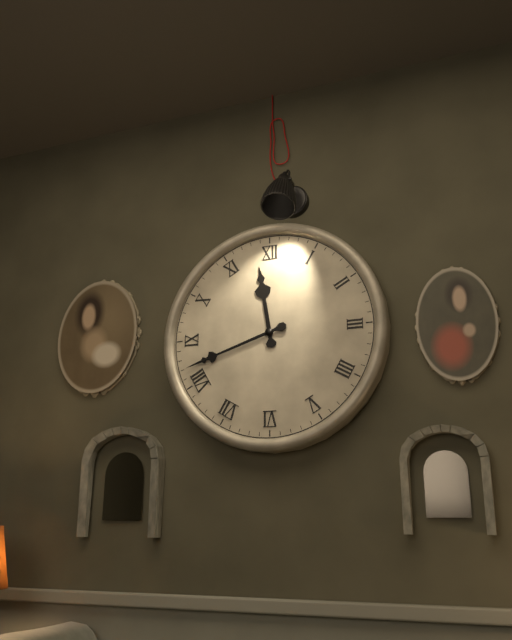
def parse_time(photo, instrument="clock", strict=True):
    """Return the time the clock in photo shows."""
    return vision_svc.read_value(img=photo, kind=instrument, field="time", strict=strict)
11:42
